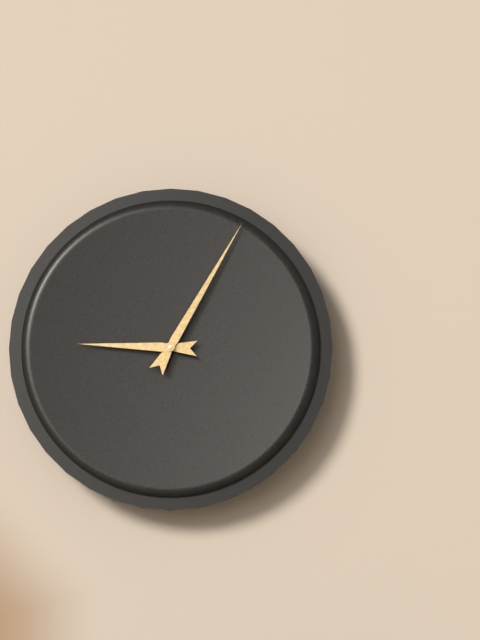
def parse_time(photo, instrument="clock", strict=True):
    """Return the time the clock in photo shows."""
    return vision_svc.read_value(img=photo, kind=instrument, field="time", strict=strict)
9:05
